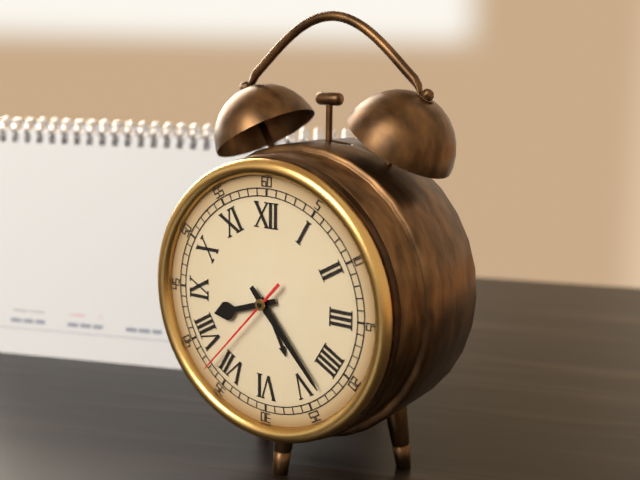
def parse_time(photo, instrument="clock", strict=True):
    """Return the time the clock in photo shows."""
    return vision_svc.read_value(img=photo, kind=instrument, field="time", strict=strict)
8:23:37
